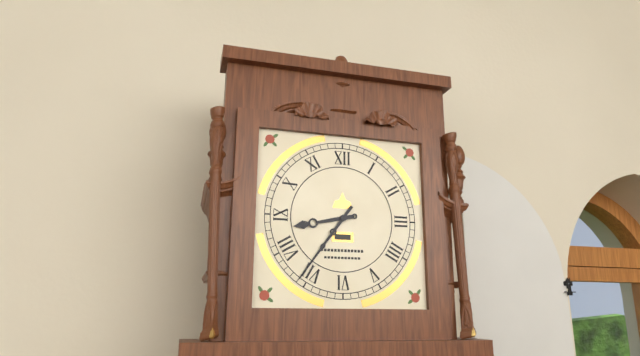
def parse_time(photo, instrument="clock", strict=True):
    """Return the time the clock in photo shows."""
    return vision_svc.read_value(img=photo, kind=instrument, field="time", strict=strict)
8:36
